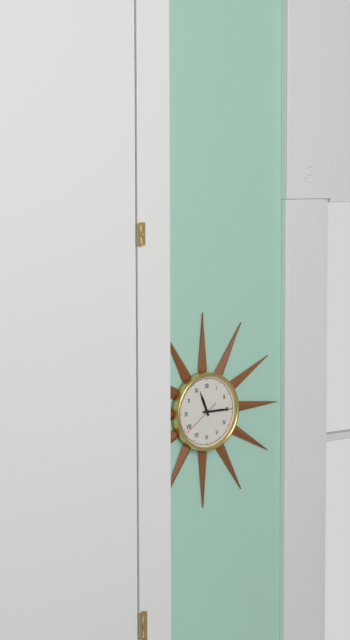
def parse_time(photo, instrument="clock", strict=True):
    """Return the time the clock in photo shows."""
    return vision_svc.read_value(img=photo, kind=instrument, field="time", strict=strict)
11:15
